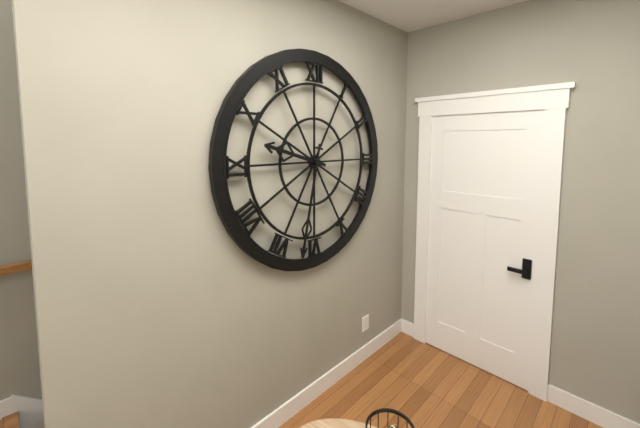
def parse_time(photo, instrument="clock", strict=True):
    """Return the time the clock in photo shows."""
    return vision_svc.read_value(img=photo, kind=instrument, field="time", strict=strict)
9:32
